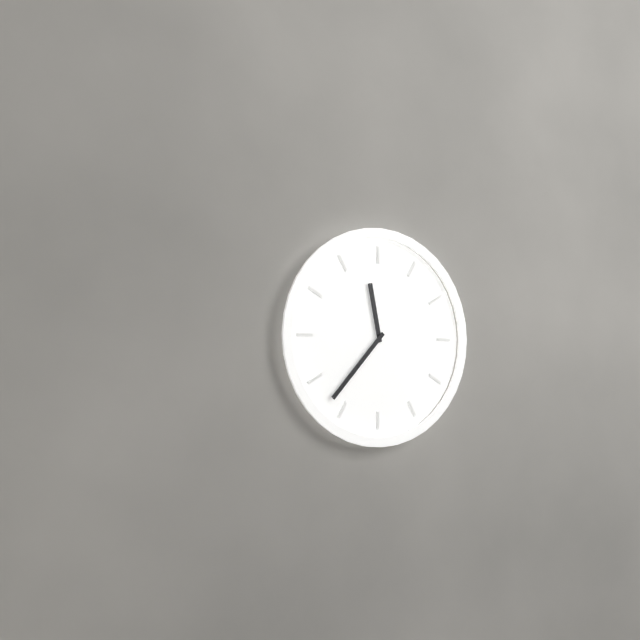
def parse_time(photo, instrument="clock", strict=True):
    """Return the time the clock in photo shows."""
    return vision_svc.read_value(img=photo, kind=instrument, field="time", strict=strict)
11:37
